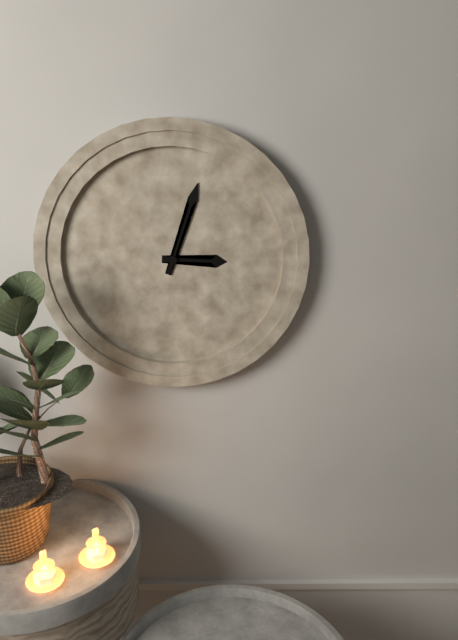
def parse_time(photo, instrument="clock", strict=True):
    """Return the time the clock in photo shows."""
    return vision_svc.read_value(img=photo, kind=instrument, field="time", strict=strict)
3:03
